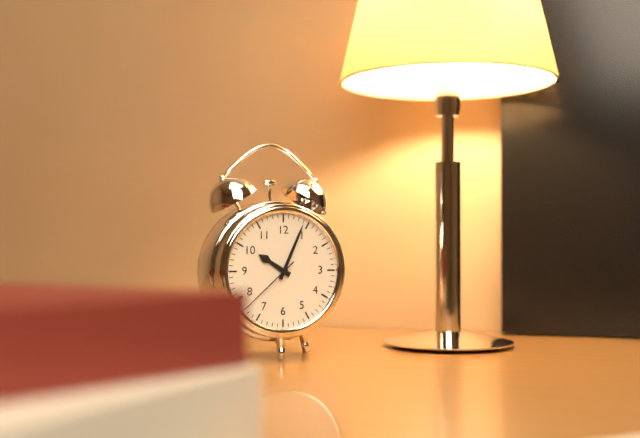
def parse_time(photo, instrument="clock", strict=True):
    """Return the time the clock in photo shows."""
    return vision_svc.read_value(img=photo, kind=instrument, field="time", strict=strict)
10:04:38
